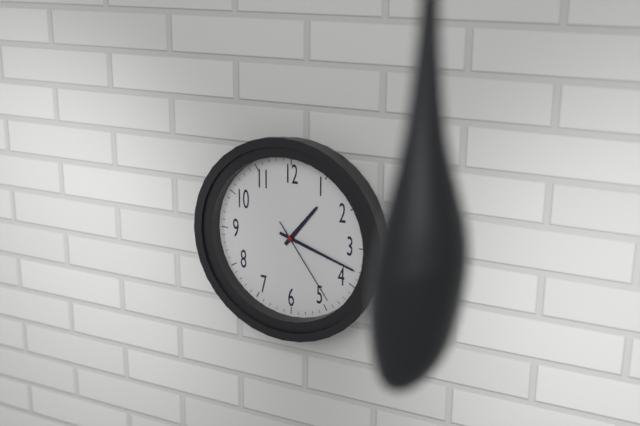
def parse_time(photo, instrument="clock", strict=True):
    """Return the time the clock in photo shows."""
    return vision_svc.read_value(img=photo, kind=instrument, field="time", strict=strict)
1:18:24
